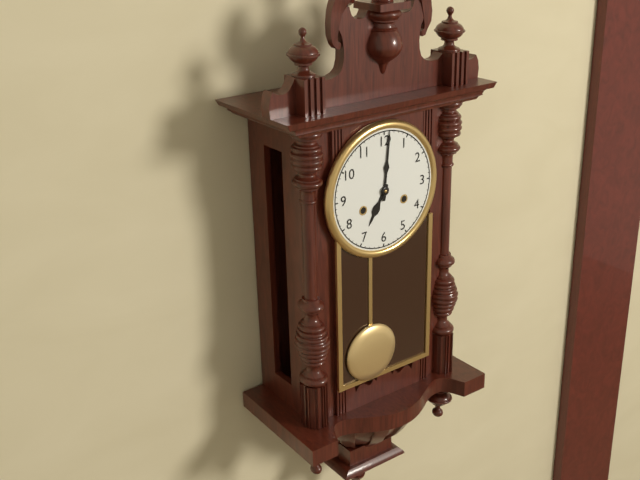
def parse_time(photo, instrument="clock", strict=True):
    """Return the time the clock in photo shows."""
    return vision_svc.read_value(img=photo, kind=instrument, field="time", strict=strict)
7:01
